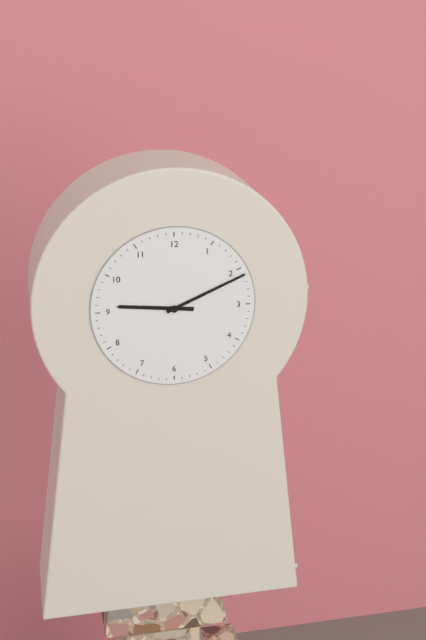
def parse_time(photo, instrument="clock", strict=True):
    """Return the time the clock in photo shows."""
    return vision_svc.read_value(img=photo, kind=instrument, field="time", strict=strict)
9:11
